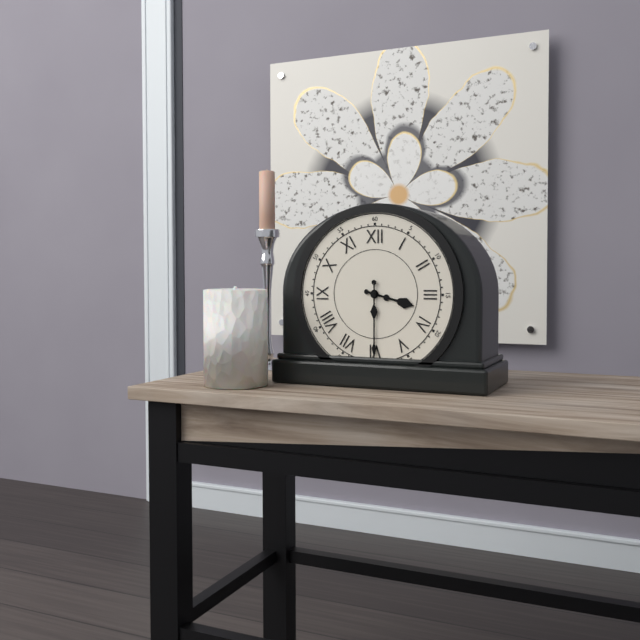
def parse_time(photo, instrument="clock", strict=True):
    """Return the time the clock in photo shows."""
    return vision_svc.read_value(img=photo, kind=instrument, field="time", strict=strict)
3:30
